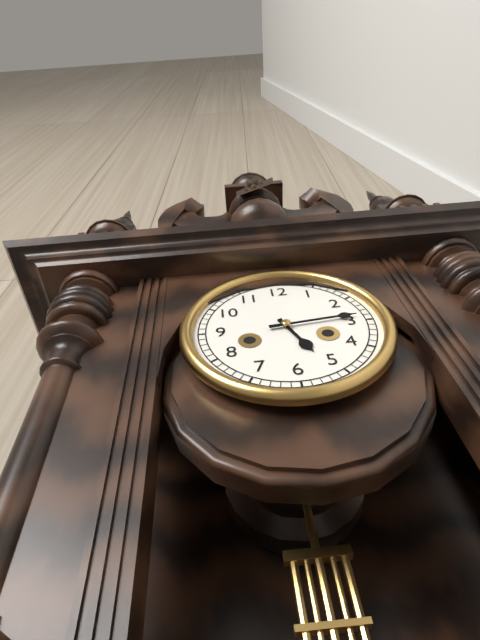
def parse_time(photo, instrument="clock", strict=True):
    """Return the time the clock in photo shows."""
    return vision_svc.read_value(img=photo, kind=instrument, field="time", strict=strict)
5:14
